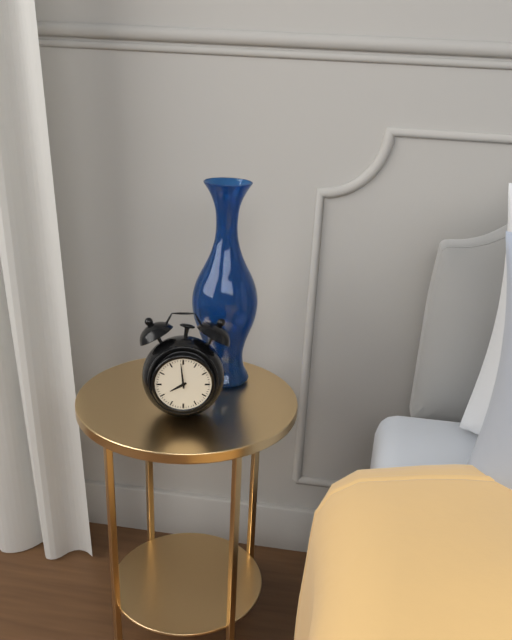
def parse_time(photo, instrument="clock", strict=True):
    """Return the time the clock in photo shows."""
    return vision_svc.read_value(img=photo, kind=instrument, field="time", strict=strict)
7:59
